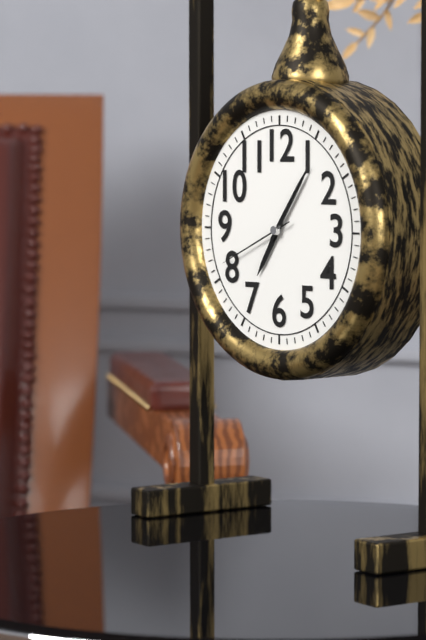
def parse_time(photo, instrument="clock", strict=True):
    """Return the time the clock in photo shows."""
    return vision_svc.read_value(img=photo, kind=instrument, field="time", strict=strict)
7:06:41
